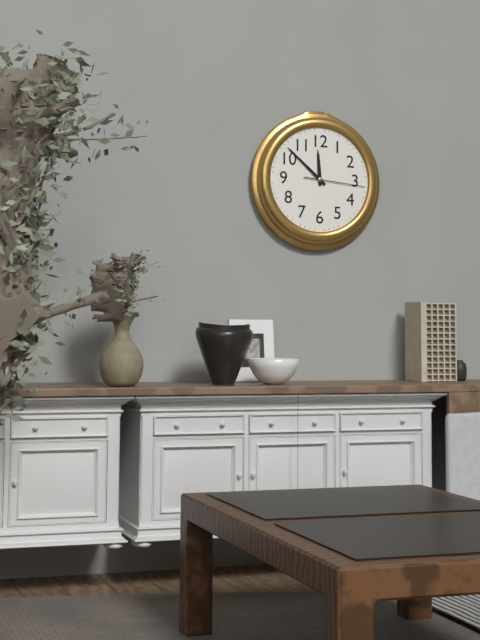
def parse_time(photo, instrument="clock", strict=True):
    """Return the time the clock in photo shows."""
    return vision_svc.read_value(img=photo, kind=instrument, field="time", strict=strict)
11:52:16
